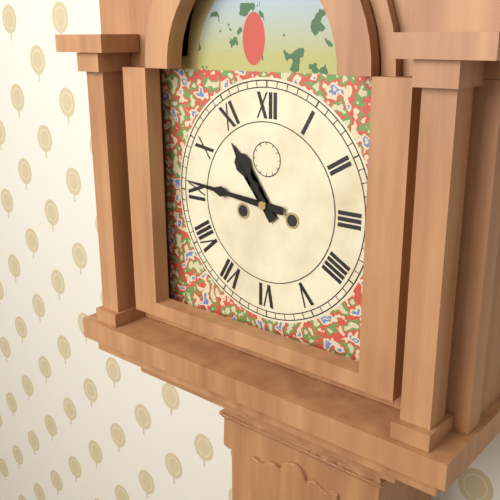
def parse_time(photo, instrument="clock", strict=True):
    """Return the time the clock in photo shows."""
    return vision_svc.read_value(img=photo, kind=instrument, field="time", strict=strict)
10:46
